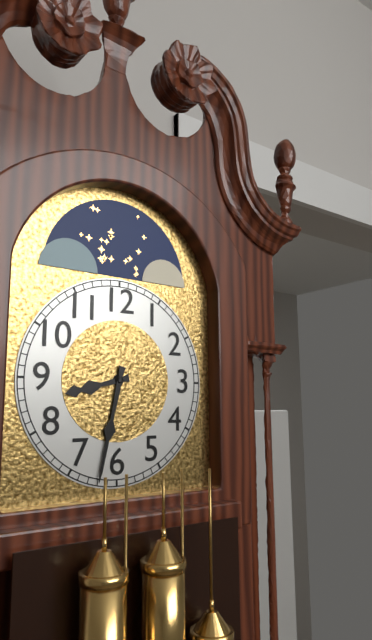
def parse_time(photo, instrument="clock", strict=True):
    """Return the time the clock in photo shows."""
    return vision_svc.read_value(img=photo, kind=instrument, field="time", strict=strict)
8:32
